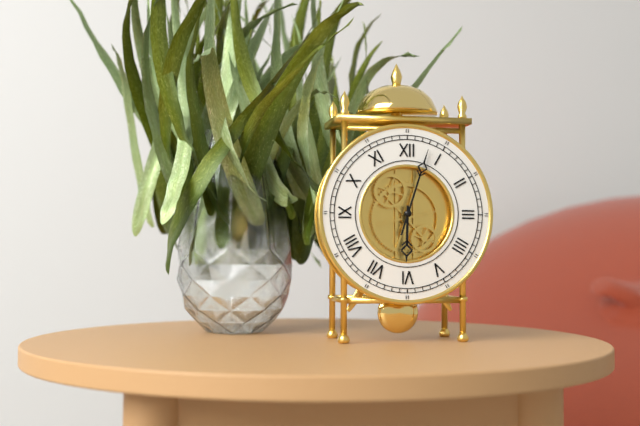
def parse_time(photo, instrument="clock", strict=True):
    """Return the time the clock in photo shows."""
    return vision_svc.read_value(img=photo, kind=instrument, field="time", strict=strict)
6:03
